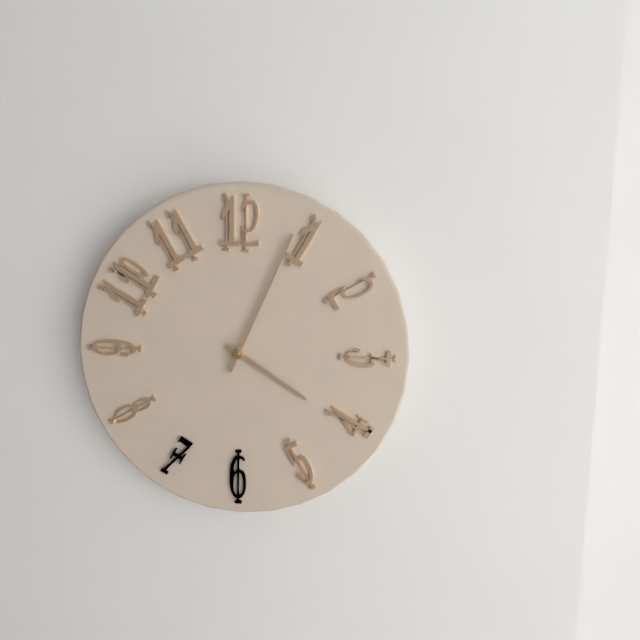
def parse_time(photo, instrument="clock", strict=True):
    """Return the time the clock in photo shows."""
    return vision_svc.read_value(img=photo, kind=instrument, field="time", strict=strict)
4:04
